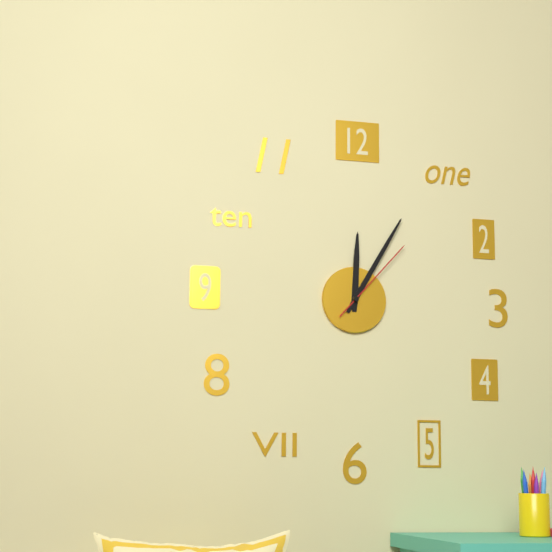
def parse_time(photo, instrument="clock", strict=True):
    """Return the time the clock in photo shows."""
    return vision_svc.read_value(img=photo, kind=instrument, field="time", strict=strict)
12:05:07
